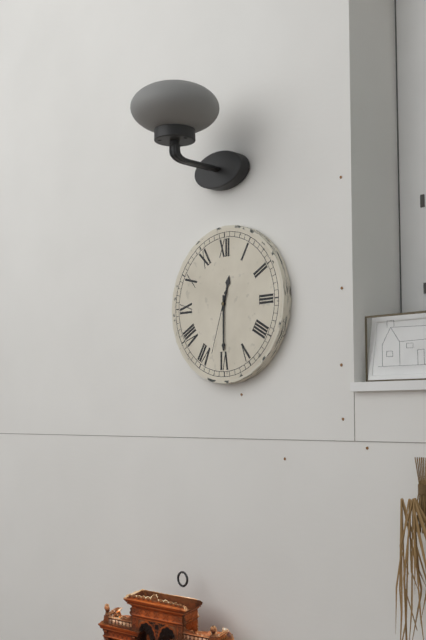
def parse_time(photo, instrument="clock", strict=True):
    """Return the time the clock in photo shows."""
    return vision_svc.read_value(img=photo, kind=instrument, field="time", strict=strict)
12:30:33
